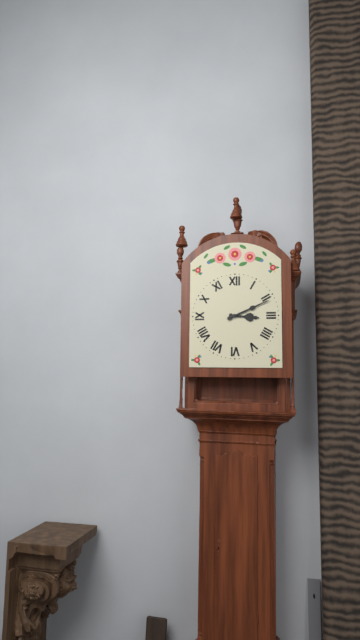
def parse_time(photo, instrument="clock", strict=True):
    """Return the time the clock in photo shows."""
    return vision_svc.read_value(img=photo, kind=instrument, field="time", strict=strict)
3:11
